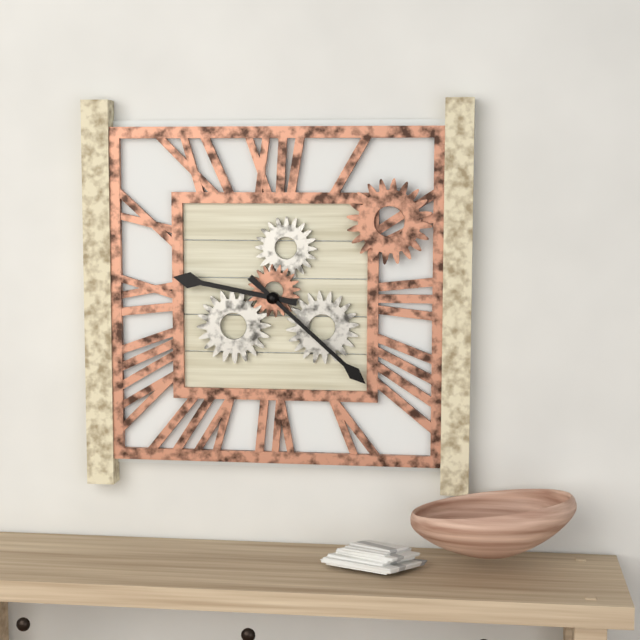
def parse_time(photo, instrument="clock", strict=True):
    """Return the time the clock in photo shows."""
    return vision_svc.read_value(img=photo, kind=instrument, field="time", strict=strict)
9:22
